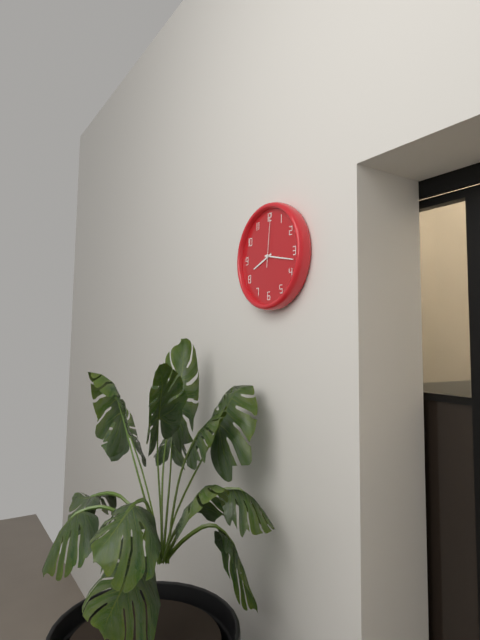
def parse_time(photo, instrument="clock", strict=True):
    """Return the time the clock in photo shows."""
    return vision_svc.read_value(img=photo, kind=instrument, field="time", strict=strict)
8:17:01
